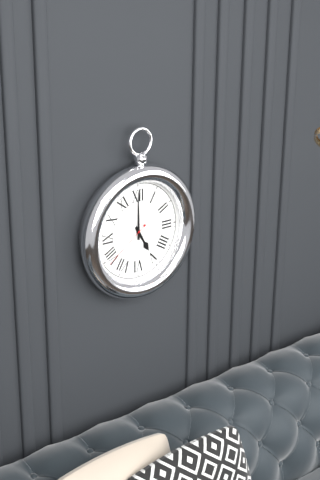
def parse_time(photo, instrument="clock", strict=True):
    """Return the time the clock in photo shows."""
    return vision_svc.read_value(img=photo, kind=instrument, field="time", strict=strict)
5:00:39
